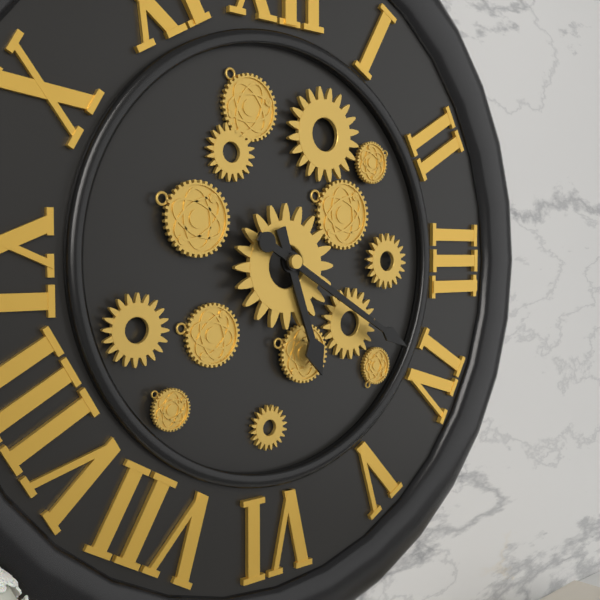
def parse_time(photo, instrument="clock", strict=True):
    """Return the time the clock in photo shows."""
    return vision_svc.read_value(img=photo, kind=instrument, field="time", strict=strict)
5:20
